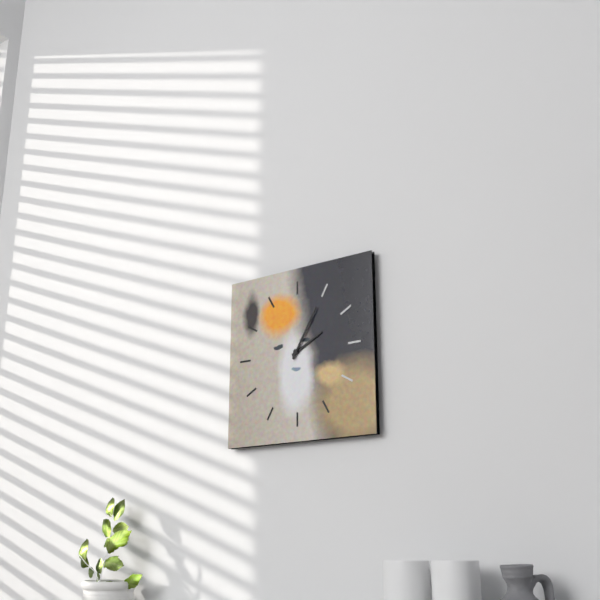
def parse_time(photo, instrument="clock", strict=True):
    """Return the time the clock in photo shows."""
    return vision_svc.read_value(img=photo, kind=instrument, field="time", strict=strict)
2:05
